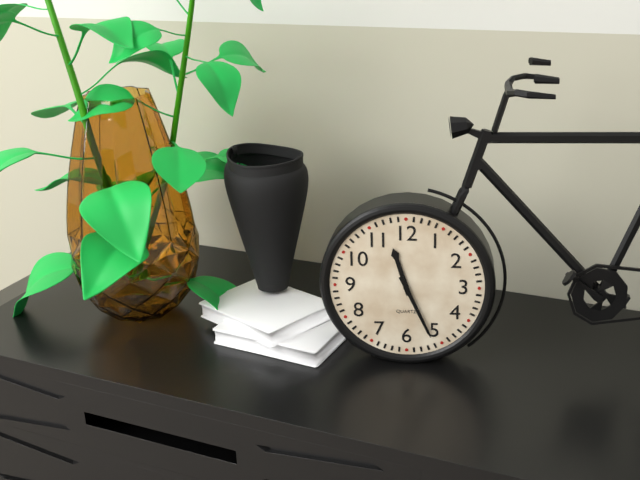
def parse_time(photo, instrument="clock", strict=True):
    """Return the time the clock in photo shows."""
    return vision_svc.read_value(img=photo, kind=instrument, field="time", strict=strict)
11:26
